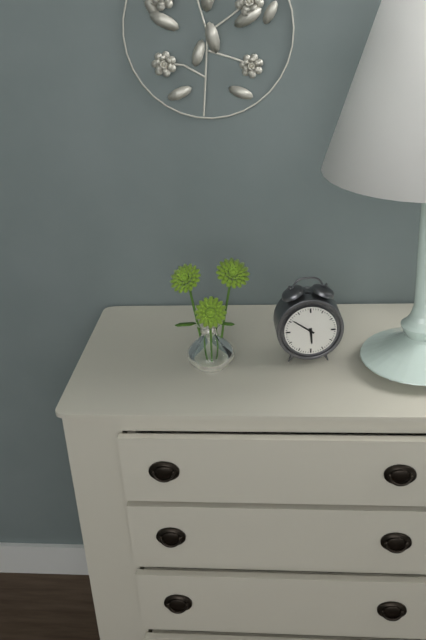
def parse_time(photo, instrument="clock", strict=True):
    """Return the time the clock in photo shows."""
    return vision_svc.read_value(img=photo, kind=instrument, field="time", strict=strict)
5:51
